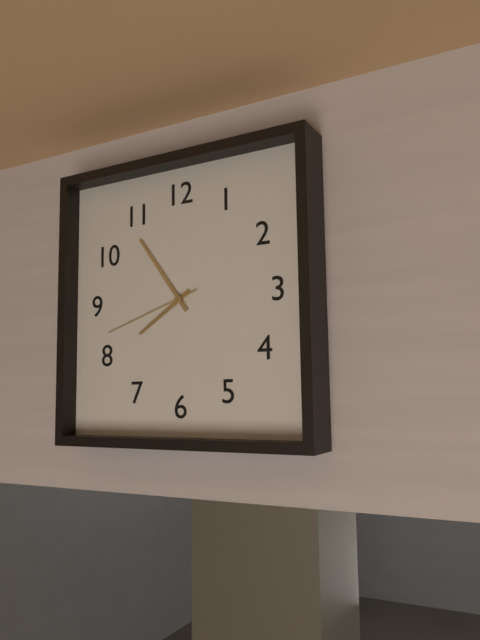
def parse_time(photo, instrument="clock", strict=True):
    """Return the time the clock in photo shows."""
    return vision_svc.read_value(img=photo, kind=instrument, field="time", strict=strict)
7:54:42
